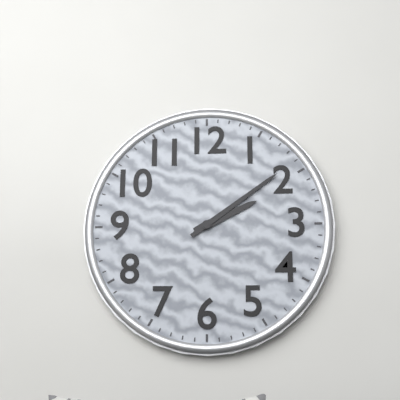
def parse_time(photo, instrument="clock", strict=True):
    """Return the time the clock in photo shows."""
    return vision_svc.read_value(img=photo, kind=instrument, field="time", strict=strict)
2:09
